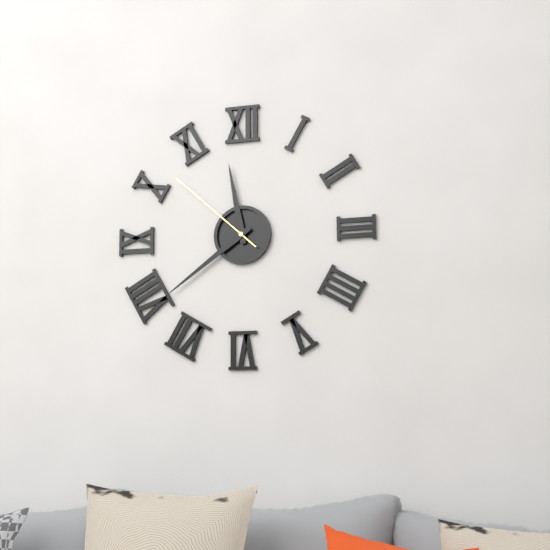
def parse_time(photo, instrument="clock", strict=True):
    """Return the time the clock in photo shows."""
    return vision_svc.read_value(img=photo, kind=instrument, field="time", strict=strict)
11:39:52
